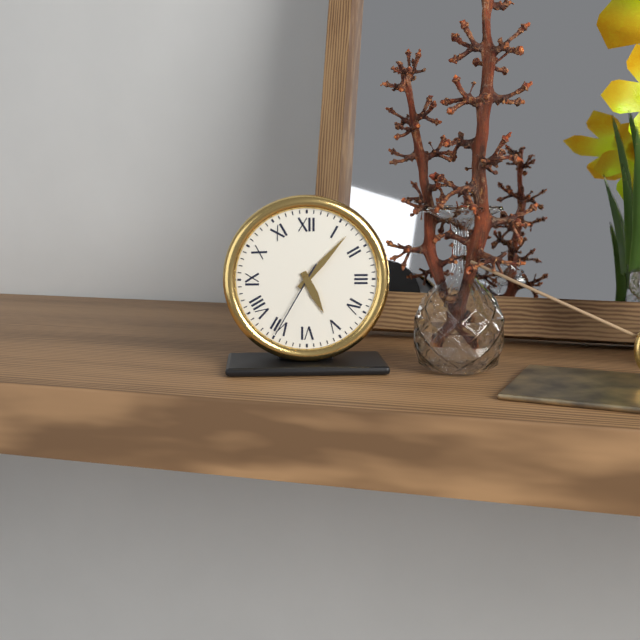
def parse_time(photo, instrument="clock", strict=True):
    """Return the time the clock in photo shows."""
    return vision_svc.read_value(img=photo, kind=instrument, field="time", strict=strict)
5:07:35
